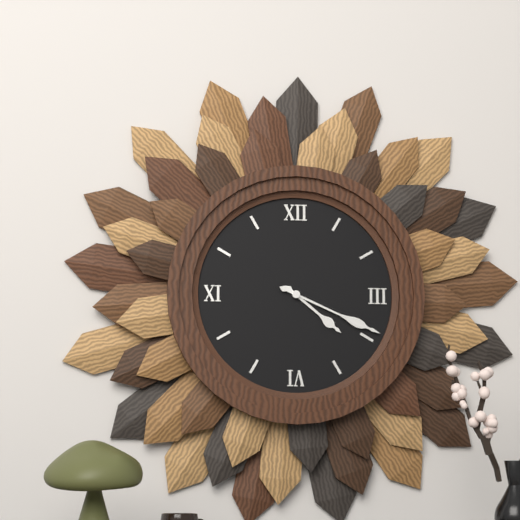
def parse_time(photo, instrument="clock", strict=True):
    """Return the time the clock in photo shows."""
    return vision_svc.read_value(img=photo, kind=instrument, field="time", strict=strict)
4:19
